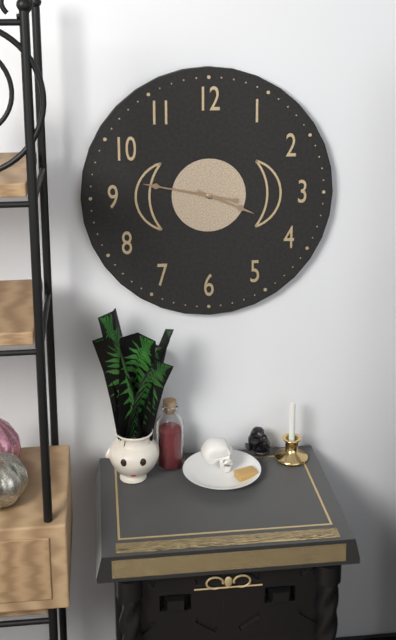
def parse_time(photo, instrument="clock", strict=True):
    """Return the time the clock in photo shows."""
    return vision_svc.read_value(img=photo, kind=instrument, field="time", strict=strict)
3:47
